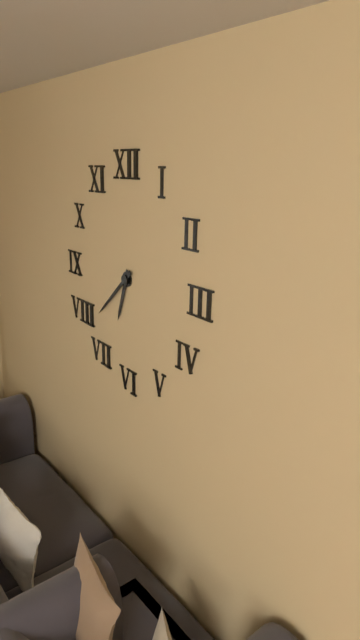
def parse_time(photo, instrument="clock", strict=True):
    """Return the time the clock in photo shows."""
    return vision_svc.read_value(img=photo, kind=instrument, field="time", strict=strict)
6:38
